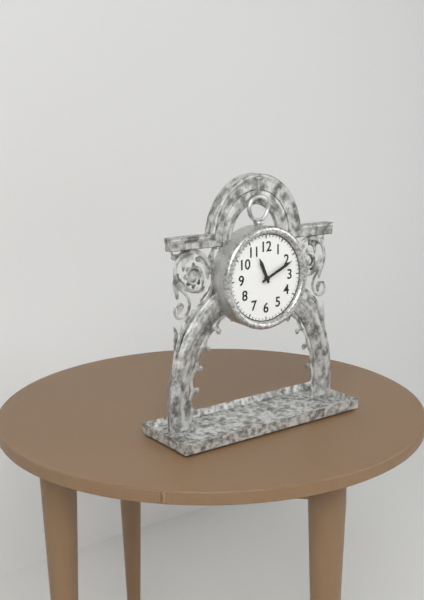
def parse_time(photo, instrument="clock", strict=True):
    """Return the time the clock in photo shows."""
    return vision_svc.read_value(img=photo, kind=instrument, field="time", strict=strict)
11:11
